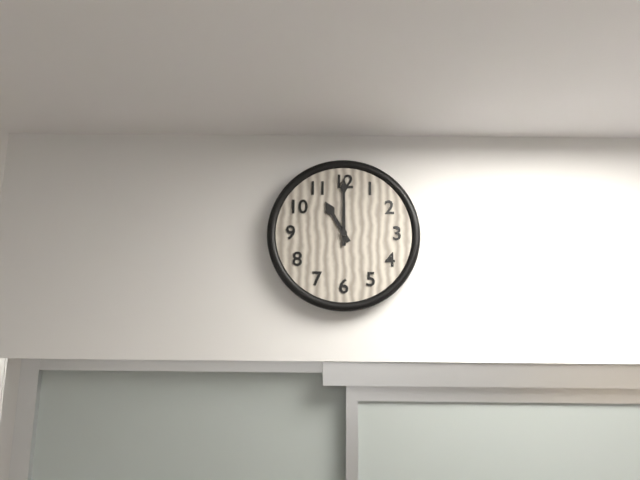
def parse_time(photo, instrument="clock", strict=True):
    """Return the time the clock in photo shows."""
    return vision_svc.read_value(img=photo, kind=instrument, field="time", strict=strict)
11:00
